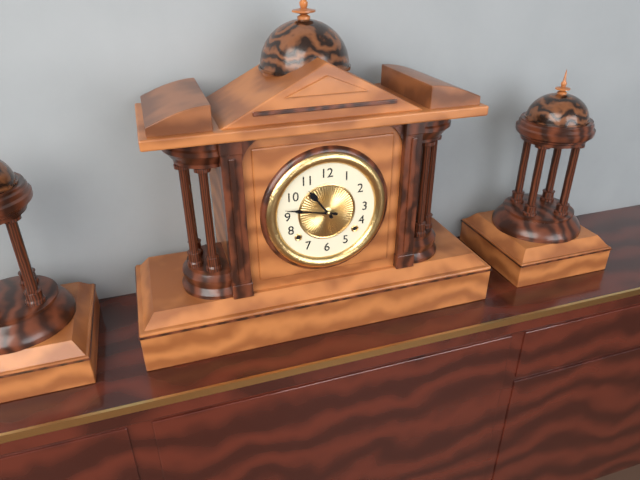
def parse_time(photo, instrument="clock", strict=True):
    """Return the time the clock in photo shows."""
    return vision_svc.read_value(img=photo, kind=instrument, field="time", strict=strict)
10:47
